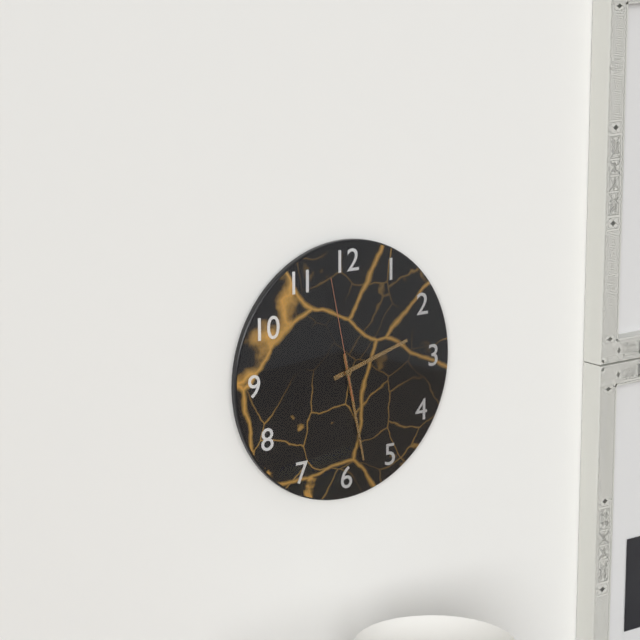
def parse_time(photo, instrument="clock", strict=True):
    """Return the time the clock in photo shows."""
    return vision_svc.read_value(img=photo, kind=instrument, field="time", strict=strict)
2:28:58
